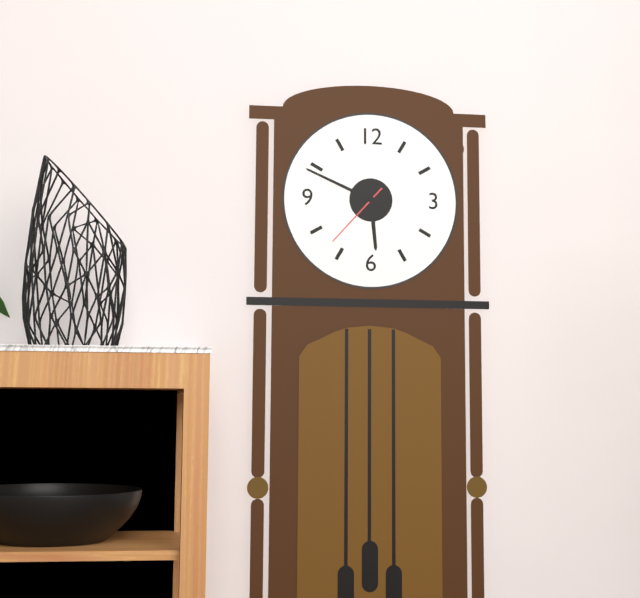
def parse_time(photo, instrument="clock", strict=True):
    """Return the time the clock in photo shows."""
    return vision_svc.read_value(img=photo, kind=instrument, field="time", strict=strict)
5:49:37
